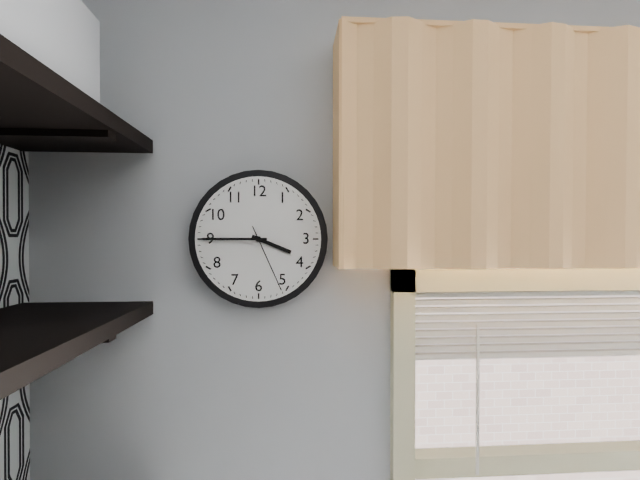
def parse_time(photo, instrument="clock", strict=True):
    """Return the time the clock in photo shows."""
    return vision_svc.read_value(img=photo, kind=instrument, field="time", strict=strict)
3:45:26
